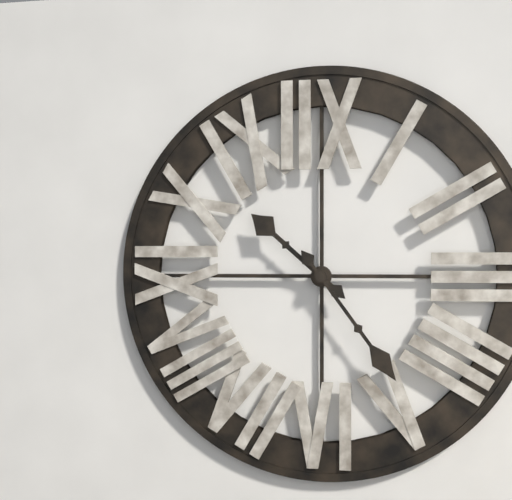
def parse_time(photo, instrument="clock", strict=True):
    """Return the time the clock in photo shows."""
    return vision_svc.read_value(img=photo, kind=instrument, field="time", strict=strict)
10:24
